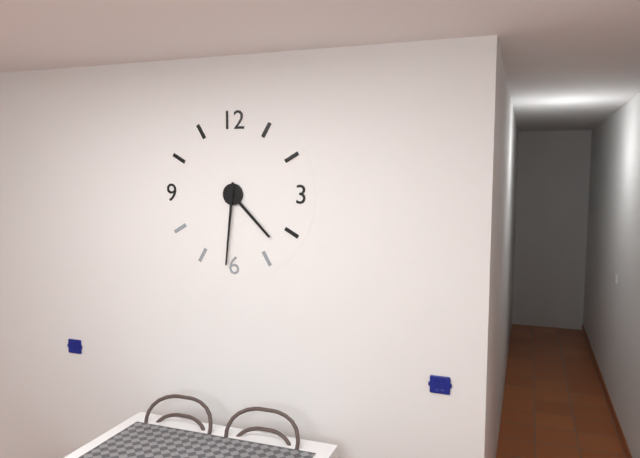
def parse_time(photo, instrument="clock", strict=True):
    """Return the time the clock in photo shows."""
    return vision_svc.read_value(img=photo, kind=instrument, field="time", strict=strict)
4:31
